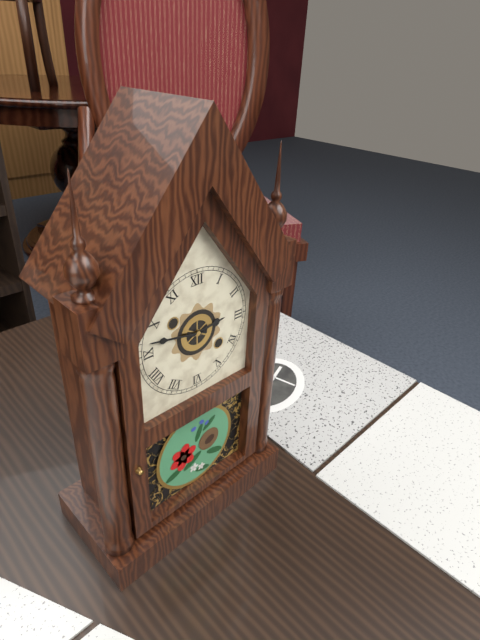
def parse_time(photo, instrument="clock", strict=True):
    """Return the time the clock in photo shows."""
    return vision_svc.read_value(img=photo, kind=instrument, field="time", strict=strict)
2:47
